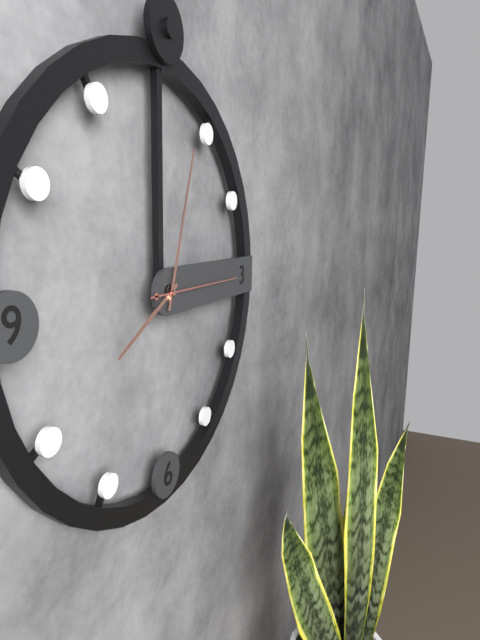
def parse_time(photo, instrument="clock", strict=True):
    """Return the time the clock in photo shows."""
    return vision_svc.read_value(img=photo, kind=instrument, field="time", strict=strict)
8:03:15
